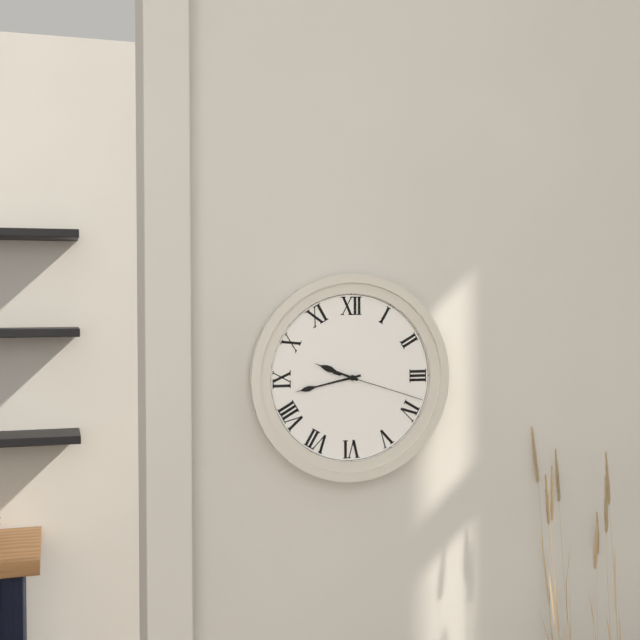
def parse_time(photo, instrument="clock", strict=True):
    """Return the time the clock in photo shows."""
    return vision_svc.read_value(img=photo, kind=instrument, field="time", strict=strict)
9:43:18
